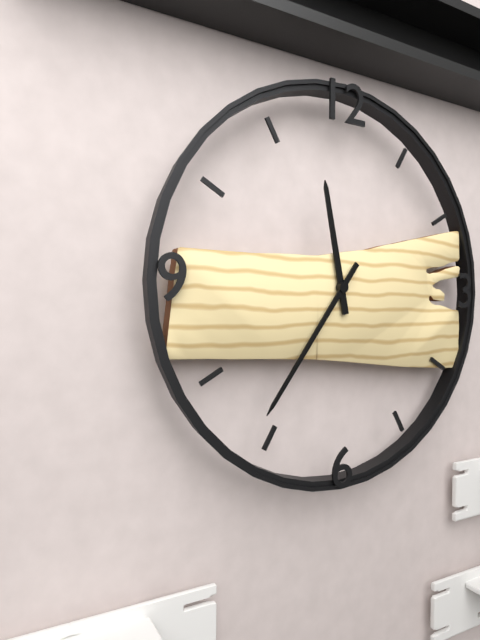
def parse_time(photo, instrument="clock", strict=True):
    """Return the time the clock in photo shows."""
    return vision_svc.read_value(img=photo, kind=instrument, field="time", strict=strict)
11:36
